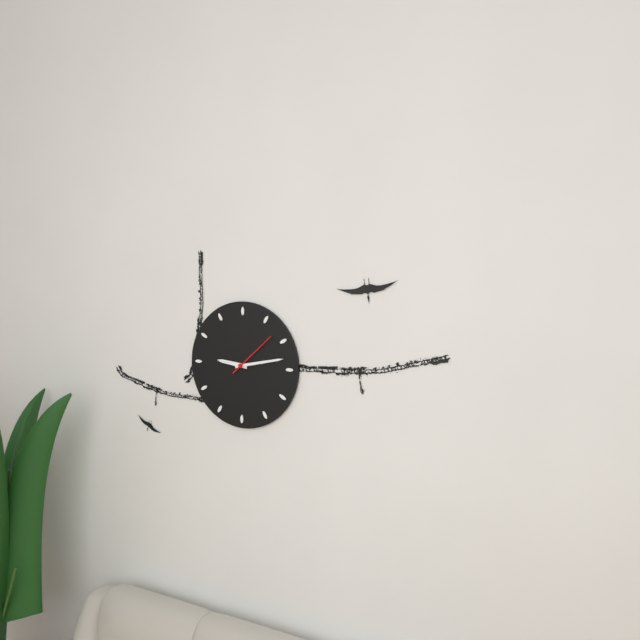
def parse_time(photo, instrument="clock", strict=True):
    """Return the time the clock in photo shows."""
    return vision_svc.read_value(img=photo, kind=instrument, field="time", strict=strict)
9:13
